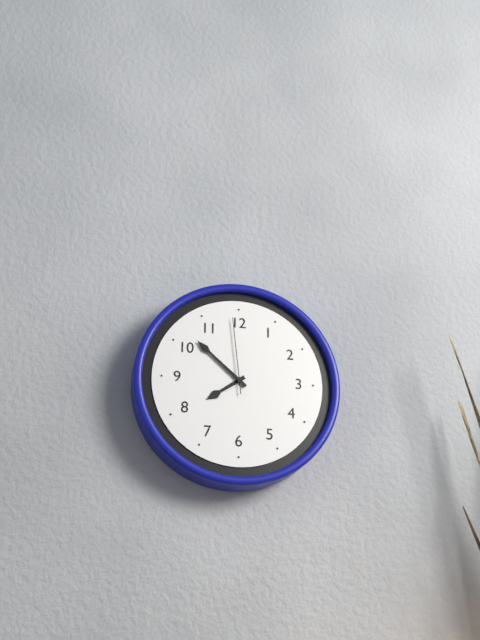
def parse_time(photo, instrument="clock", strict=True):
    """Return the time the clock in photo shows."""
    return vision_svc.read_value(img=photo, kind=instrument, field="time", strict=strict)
7:52:59
